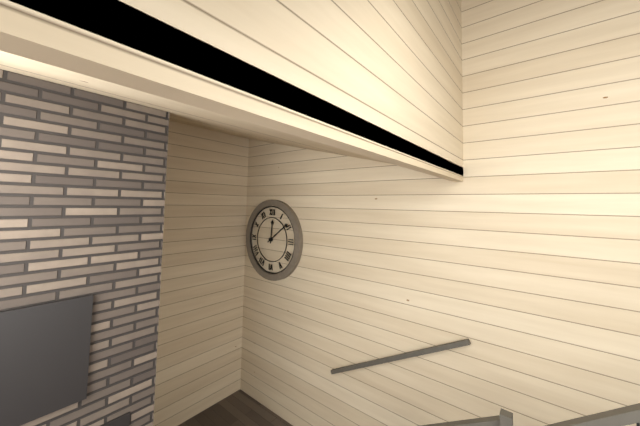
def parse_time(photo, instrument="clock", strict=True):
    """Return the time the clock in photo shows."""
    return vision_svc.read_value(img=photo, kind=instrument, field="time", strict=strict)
12:09
